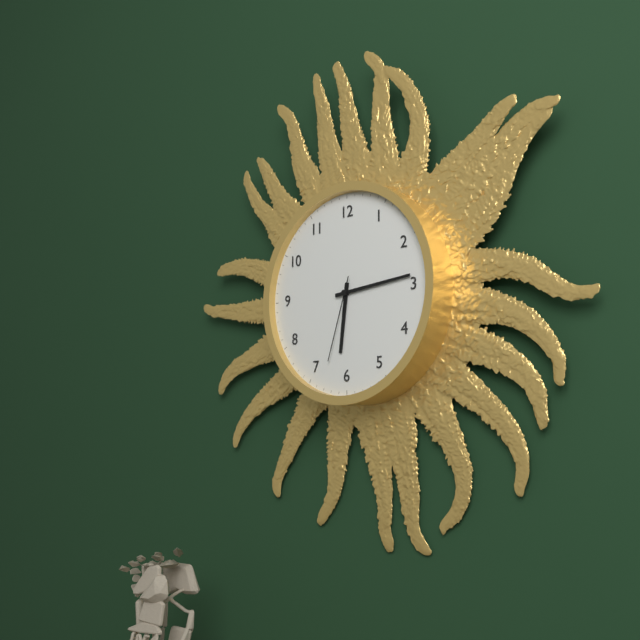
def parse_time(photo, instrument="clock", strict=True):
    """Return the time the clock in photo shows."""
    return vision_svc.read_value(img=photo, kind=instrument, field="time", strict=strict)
6:14:33
